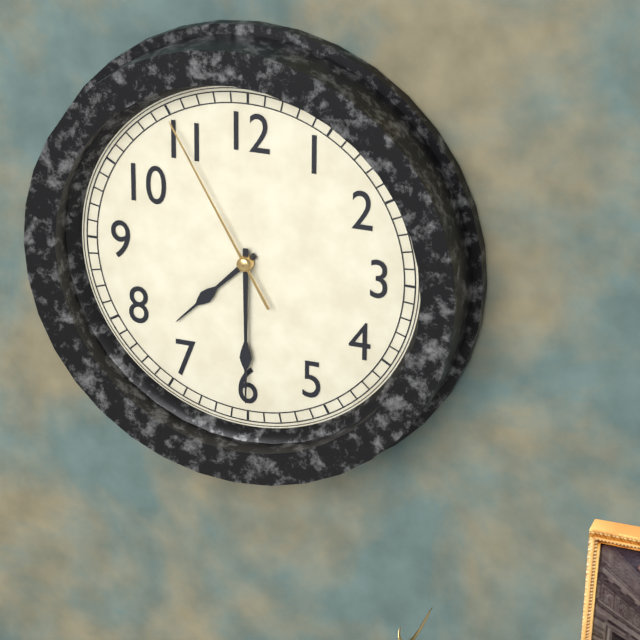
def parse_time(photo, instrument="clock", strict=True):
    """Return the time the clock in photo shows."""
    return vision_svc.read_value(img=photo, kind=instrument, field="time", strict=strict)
7:30:55
